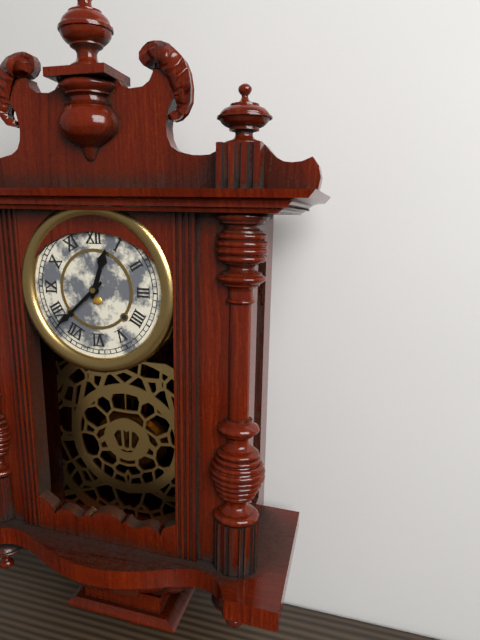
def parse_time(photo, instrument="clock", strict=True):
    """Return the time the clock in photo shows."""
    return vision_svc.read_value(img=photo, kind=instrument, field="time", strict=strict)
12:38
